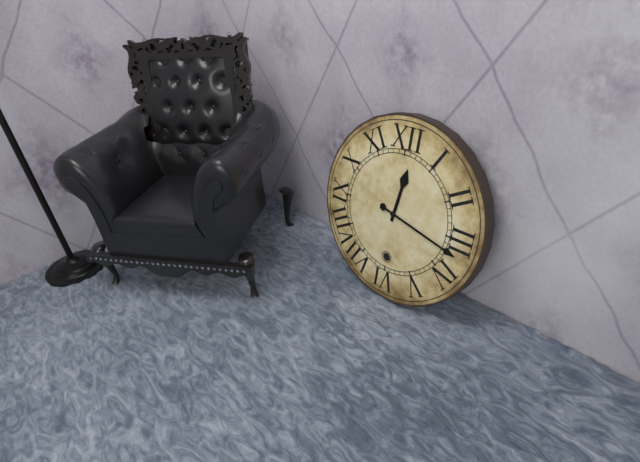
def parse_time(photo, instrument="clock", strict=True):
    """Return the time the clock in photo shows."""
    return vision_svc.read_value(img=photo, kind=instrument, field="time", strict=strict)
12:17
